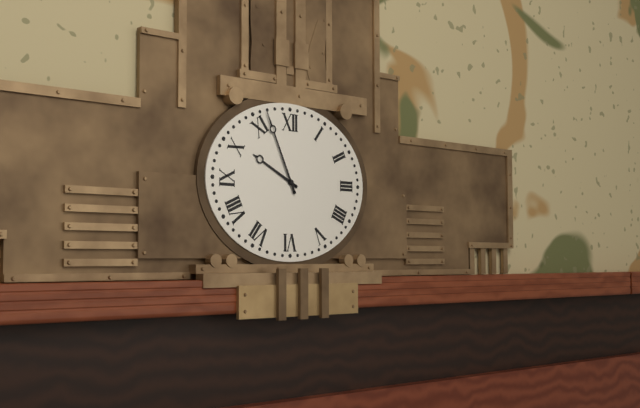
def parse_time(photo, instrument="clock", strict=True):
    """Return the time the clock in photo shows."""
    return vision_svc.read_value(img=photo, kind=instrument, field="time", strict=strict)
9:56
